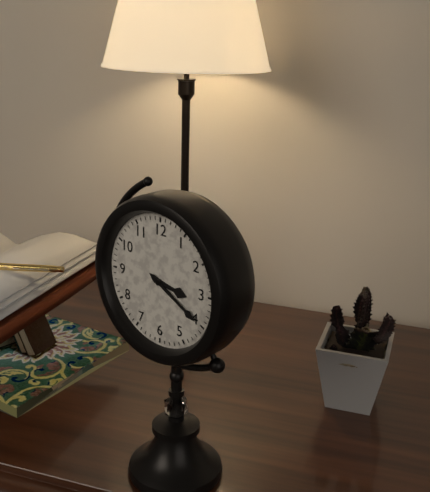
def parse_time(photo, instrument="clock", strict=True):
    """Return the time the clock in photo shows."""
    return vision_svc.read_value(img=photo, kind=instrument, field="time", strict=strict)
3:20
